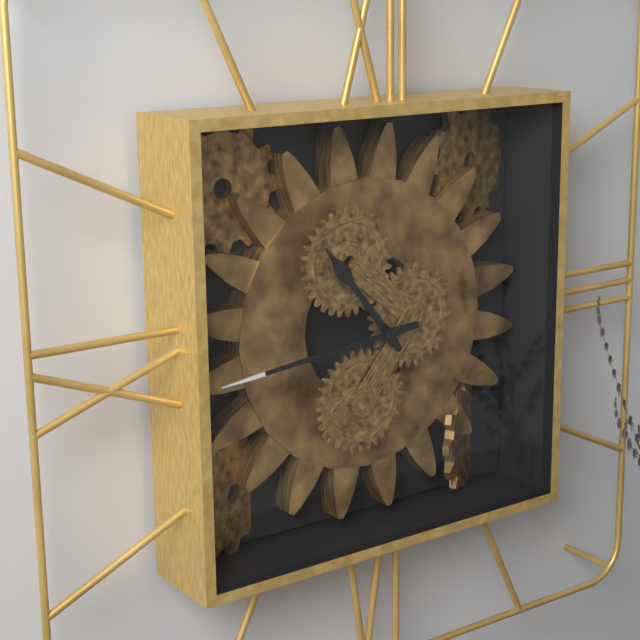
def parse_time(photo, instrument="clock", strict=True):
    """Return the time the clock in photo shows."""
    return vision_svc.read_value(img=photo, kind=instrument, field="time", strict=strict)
10:44
